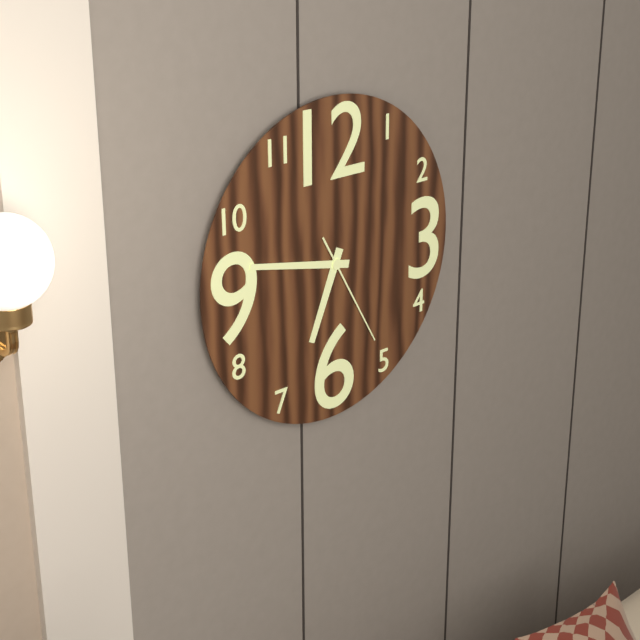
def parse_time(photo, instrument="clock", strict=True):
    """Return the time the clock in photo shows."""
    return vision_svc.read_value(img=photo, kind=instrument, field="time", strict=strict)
6:47:25
